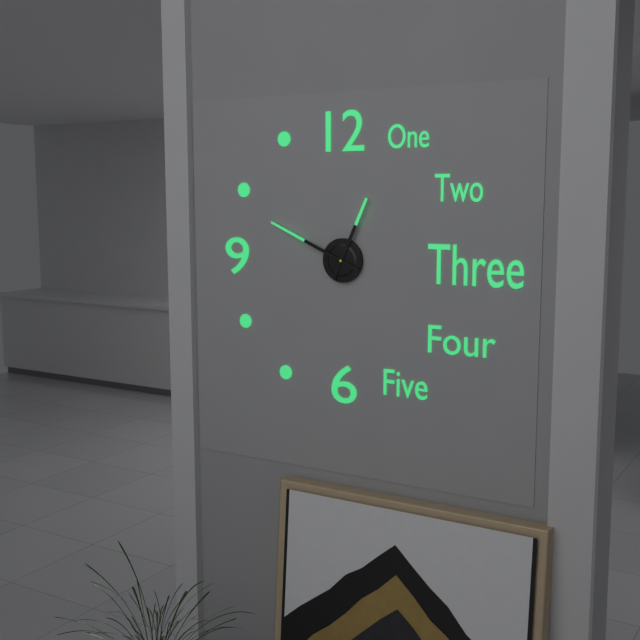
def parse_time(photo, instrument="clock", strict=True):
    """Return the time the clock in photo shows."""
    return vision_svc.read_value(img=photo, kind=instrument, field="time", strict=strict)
12:49
